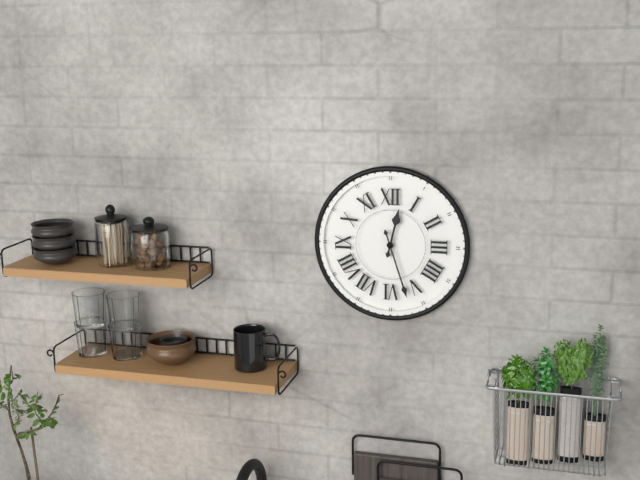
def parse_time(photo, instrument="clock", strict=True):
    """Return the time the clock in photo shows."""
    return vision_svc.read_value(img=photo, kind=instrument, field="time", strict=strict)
12:27
